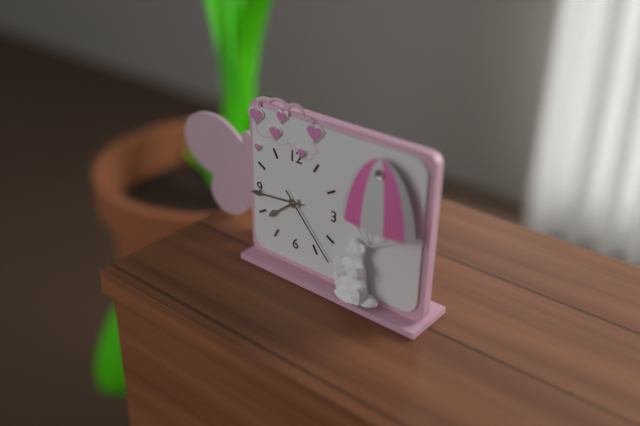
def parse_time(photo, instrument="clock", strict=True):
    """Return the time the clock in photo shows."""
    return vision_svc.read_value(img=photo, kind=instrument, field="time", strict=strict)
7:44:23
